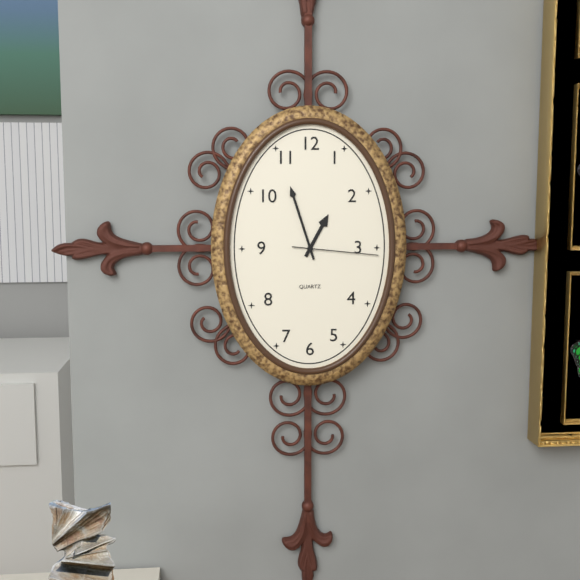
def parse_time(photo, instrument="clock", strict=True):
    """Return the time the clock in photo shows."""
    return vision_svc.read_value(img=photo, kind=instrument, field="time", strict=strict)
12:57:16
